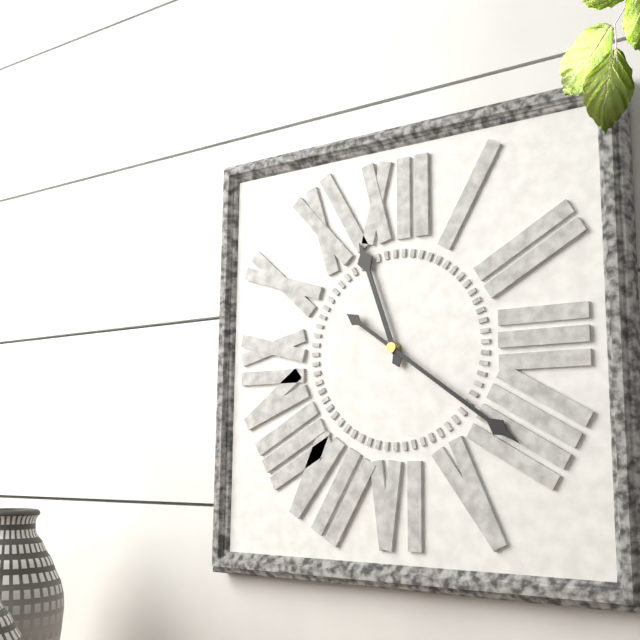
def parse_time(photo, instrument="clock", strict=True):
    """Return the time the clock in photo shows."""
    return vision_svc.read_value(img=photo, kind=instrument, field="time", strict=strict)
11:21
